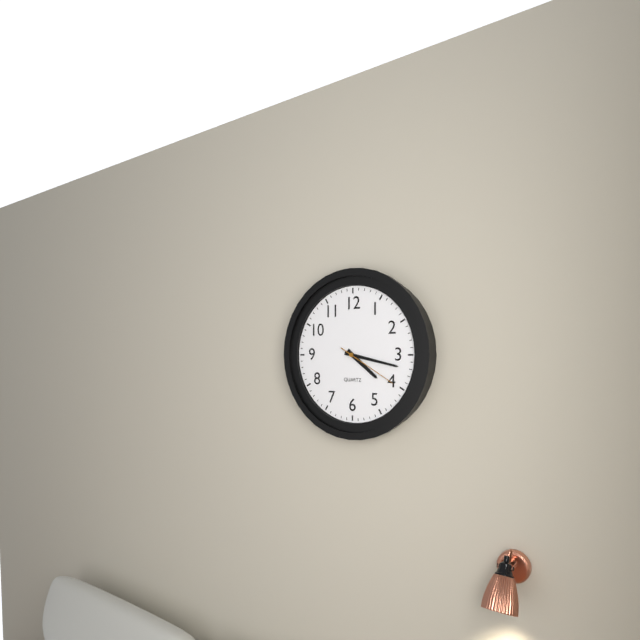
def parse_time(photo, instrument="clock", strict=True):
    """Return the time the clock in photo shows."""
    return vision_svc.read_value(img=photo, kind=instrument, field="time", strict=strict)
4:17:20
